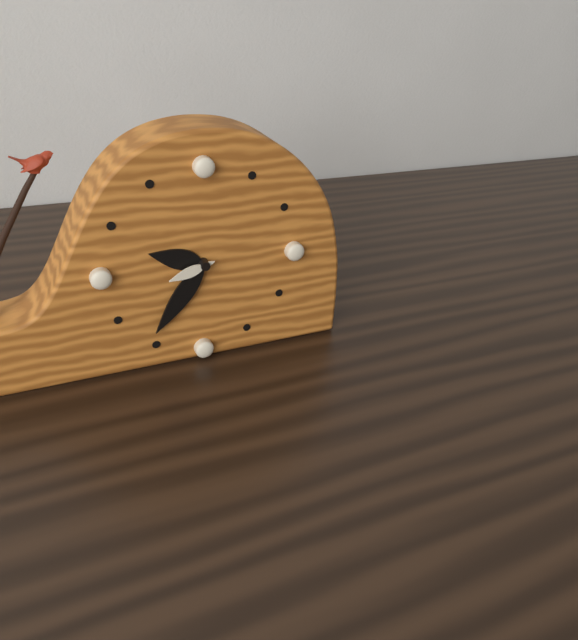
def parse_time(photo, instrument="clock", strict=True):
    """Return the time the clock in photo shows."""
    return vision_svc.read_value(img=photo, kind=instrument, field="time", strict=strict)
9:36:42
